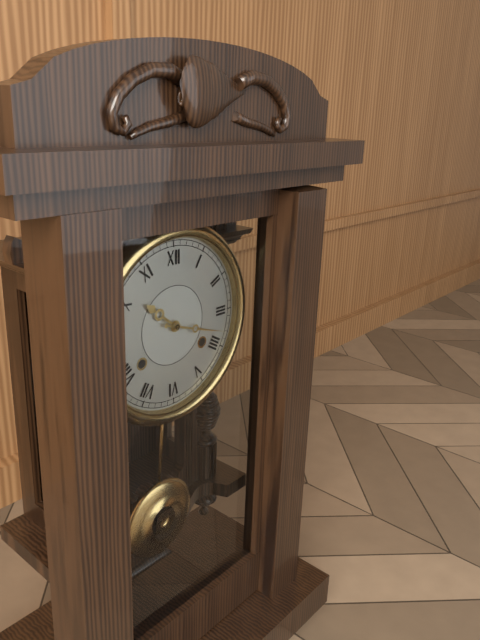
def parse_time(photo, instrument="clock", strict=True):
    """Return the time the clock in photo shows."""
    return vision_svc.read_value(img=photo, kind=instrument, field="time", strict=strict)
10:18
